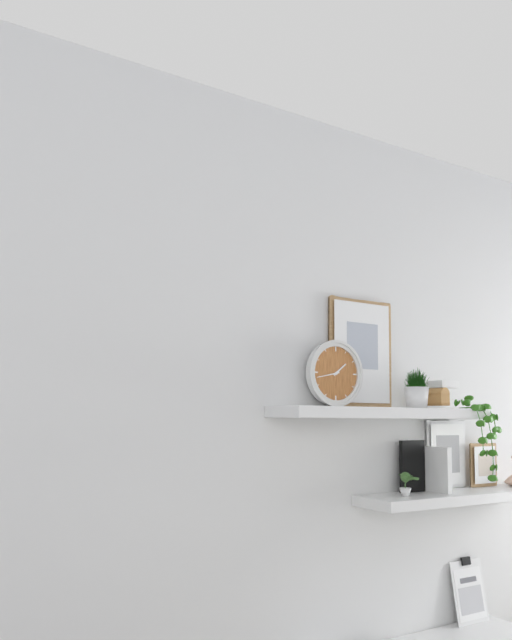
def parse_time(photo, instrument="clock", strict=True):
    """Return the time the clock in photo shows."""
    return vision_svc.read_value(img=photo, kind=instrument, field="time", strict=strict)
1:43
